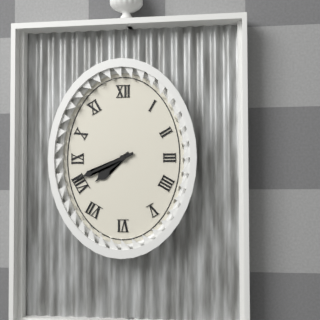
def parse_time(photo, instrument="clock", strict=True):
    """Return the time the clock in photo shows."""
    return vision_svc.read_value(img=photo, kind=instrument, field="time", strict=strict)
7:41
